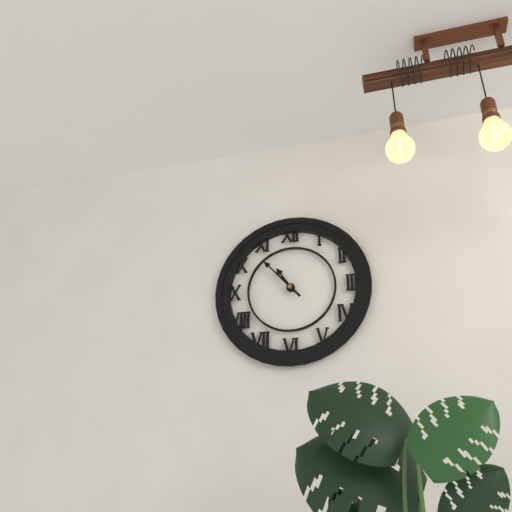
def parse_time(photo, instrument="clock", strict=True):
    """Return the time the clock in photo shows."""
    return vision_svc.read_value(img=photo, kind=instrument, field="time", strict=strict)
10:53
